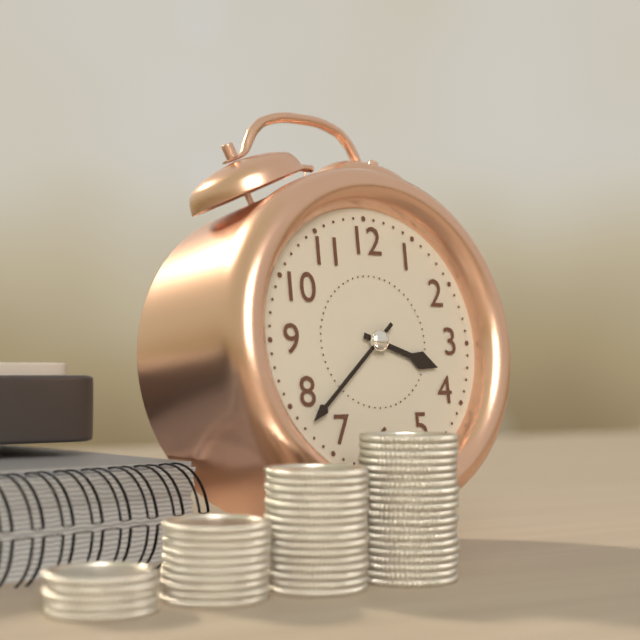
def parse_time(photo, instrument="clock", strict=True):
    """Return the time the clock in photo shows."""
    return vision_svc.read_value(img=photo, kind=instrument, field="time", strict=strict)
3:38
